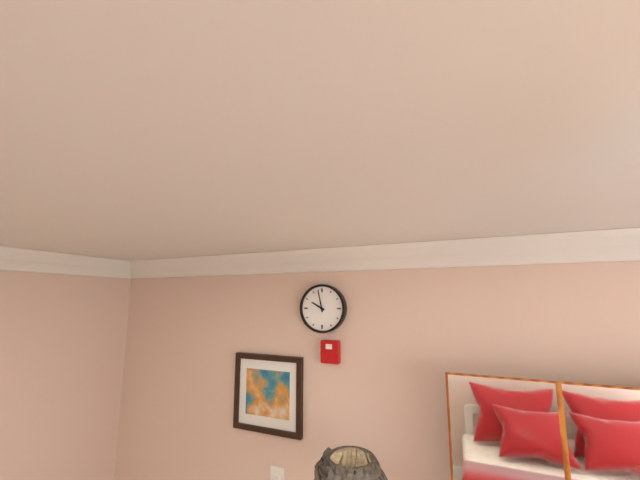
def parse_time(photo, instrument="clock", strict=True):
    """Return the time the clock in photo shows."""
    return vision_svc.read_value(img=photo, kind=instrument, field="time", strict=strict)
9:58
